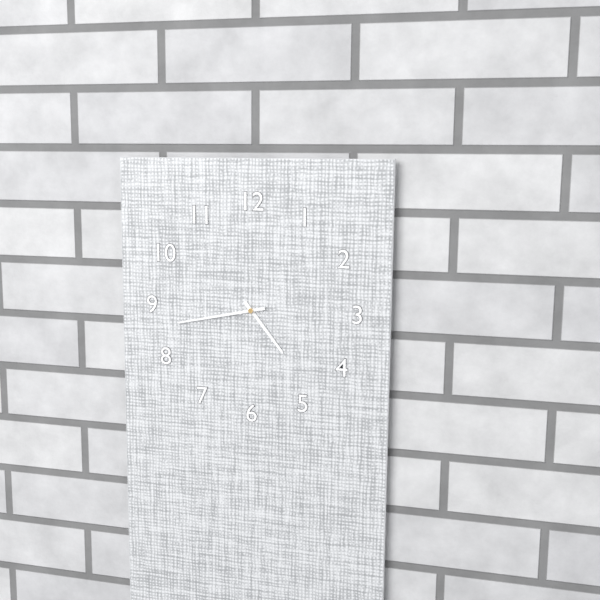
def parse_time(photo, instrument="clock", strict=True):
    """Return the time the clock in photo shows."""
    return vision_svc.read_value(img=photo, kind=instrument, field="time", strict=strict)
4:43
